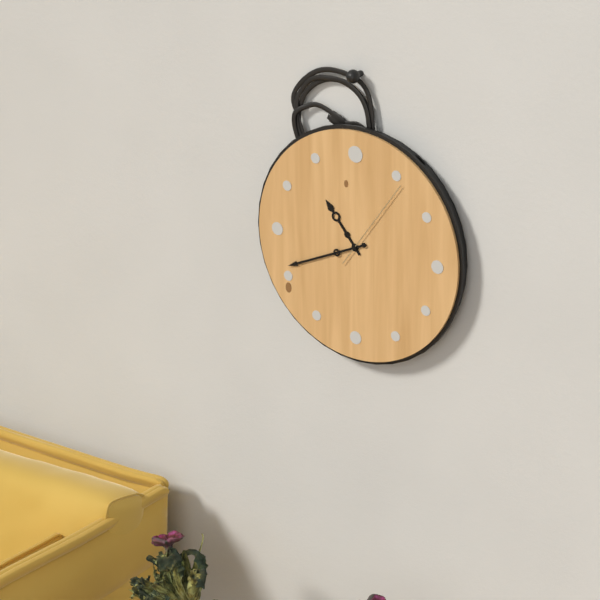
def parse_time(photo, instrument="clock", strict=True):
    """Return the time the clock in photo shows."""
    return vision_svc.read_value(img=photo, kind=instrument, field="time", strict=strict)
10:41:06
